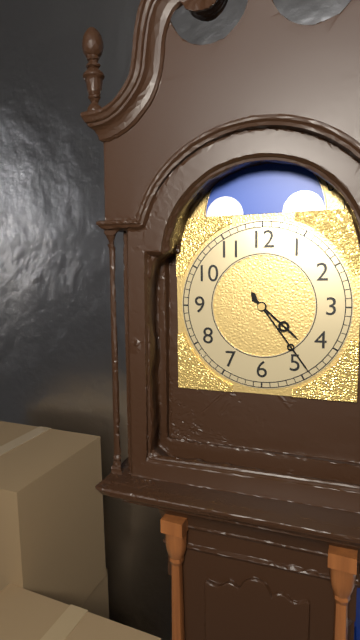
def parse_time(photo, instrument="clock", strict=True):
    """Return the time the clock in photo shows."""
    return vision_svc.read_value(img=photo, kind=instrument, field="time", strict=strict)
4:24
